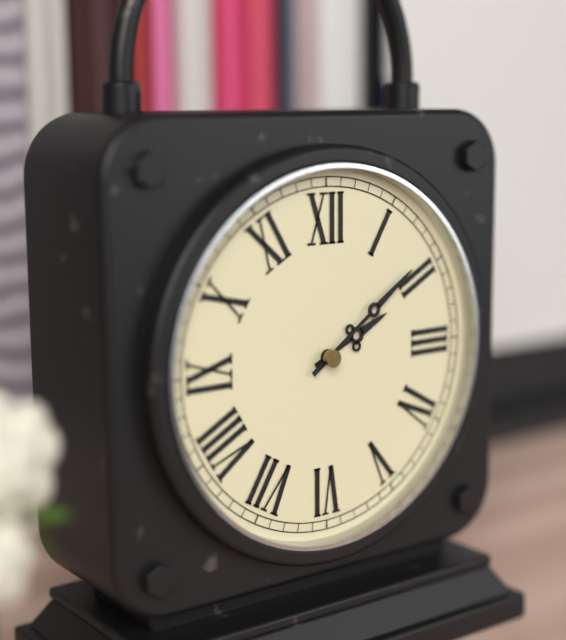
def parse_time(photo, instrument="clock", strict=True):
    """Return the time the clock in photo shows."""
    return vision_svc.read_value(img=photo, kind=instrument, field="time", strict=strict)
2:09
